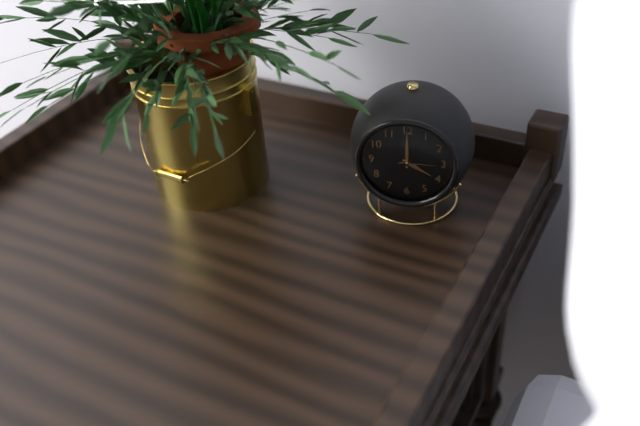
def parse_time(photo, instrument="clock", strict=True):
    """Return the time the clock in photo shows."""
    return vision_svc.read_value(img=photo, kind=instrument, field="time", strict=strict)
4:00
